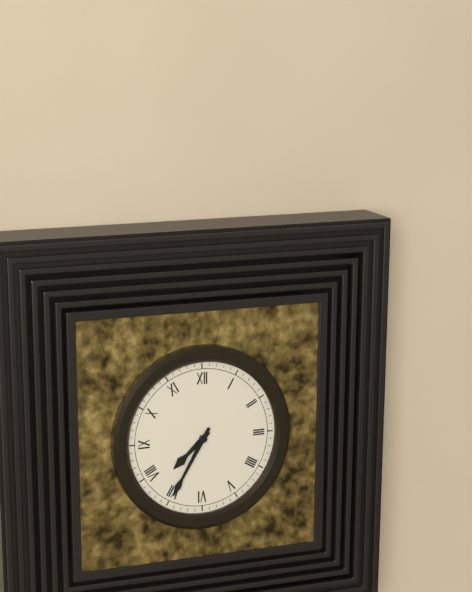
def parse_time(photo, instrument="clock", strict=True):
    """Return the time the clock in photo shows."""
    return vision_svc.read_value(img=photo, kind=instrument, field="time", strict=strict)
7:35
